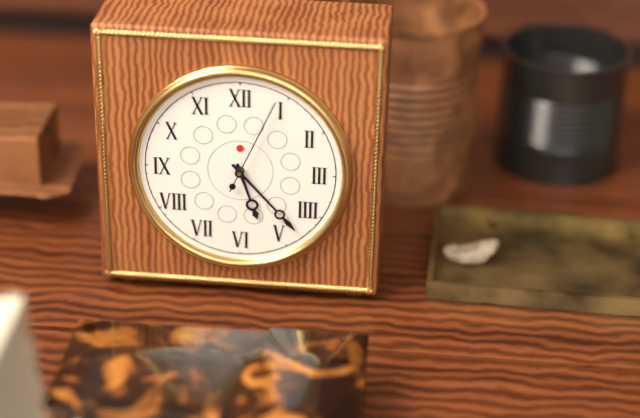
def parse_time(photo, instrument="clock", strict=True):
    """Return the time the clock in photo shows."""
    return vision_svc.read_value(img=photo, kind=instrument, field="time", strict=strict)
5:23:04
